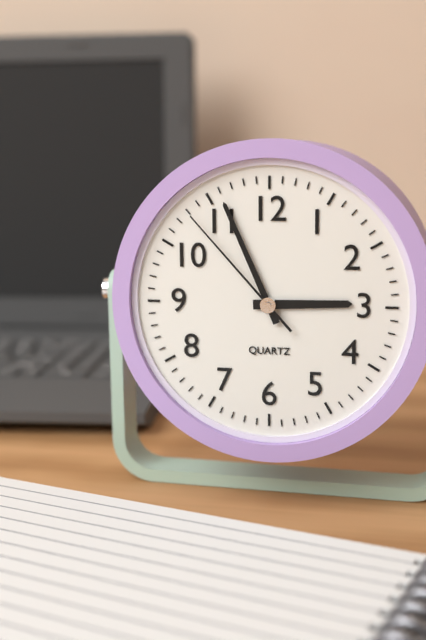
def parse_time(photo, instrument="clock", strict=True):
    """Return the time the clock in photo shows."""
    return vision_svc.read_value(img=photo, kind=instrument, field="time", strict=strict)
2:56:53
